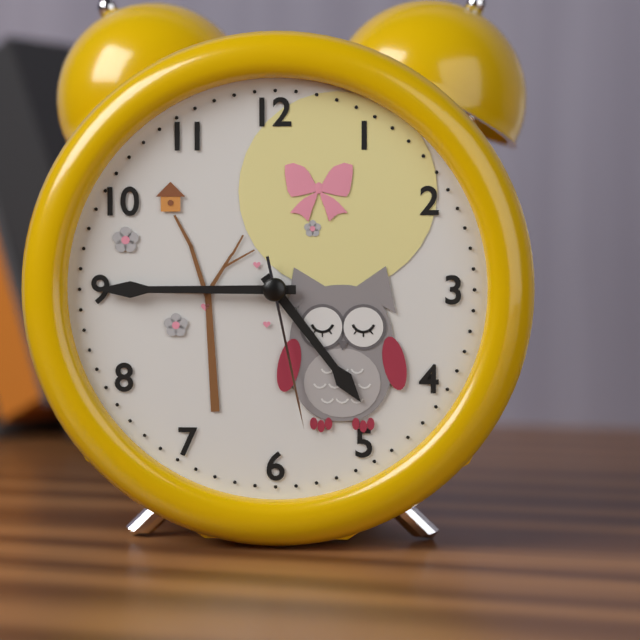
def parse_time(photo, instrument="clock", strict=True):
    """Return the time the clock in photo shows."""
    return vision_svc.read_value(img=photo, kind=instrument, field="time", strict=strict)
4:45:28
